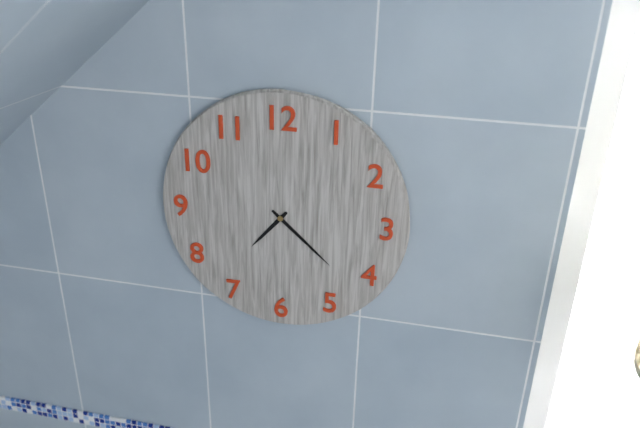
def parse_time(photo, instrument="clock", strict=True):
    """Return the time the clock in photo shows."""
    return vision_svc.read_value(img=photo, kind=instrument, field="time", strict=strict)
7:22
